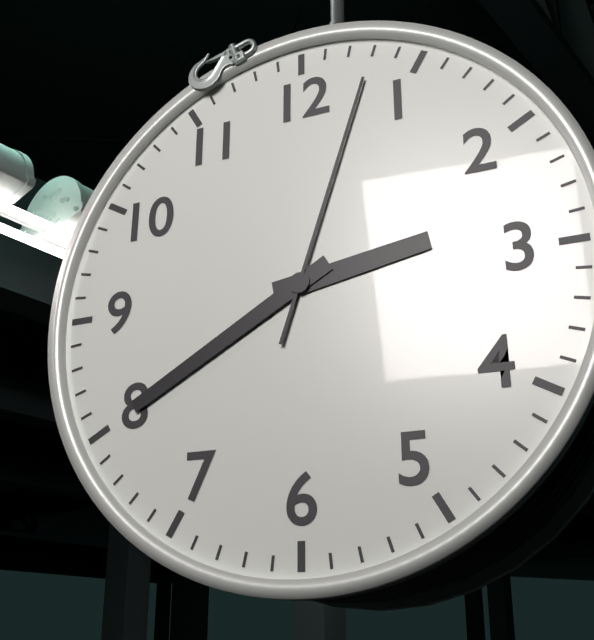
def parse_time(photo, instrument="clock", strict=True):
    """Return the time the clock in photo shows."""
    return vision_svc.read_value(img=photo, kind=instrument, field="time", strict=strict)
2:40:03
